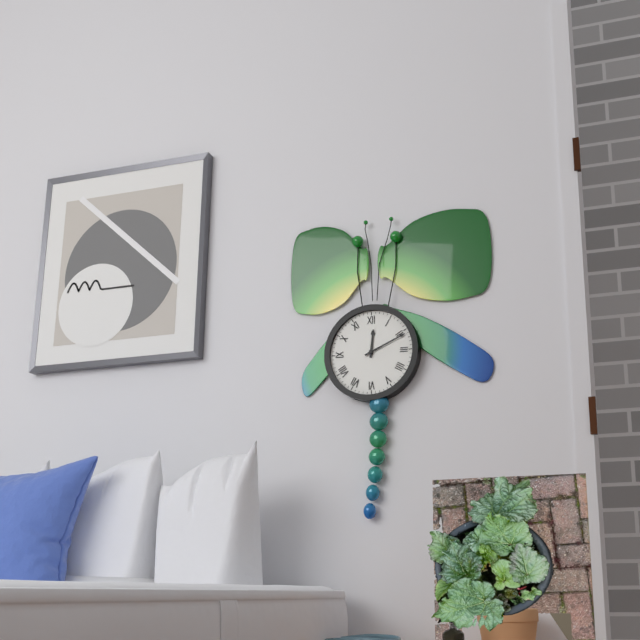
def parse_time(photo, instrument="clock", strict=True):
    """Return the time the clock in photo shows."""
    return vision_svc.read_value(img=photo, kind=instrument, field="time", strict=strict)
12:11
